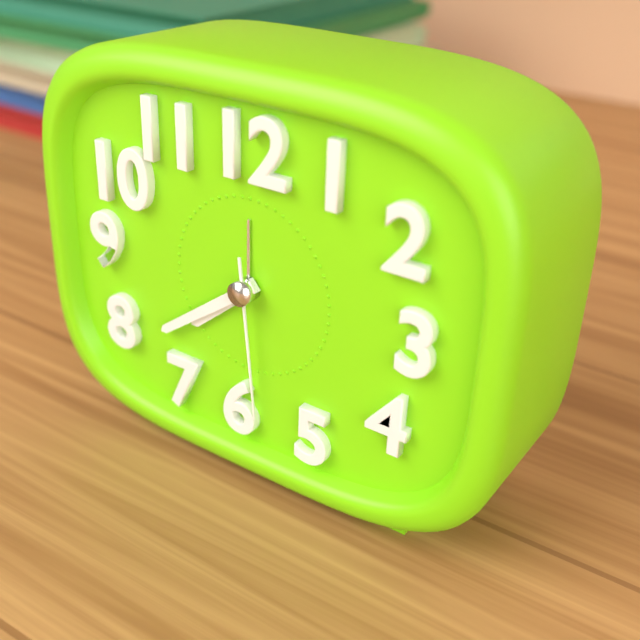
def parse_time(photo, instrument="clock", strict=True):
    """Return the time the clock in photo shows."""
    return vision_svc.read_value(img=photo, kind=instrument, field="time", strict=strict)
7:39:29
